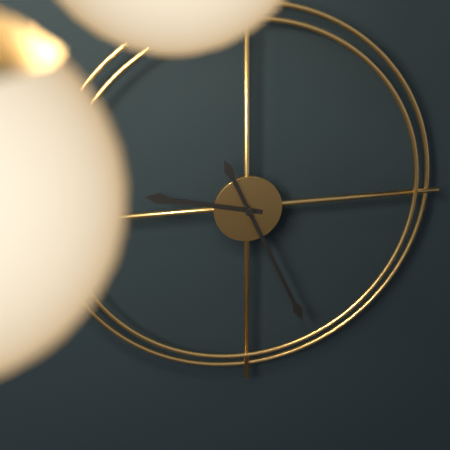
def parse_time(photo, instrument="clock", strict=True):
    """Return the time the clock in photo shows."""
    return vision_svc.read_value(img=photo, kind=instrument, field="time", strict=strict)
9:26
